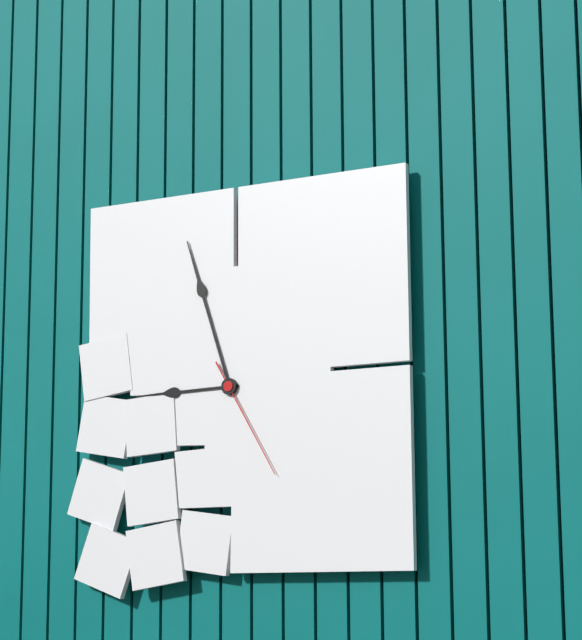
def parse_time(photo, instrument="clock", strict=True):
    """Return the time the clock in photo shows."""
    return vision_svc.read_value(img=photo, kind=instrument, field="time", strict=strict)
8:57:25
